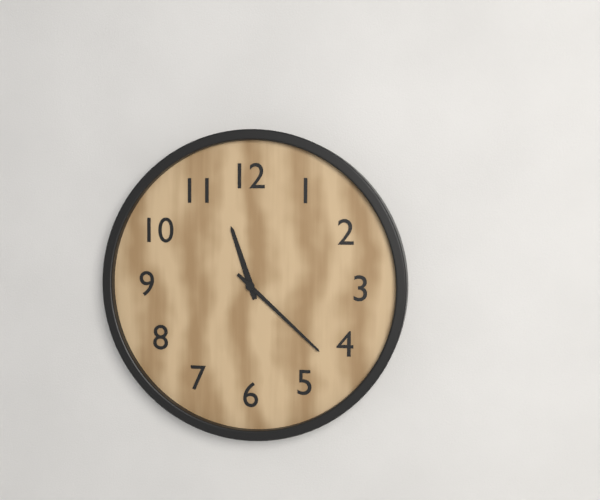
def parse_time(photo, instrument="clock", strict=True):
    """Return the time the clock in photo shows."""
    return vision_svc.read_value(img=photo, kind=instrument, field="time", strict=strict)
11:22
